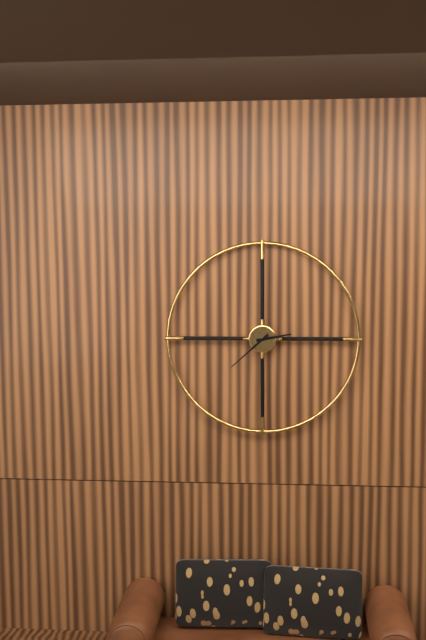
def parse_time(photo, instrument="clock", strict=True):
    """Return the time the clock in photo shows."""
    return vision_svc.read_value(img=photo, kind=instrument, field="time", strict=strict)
2:38
